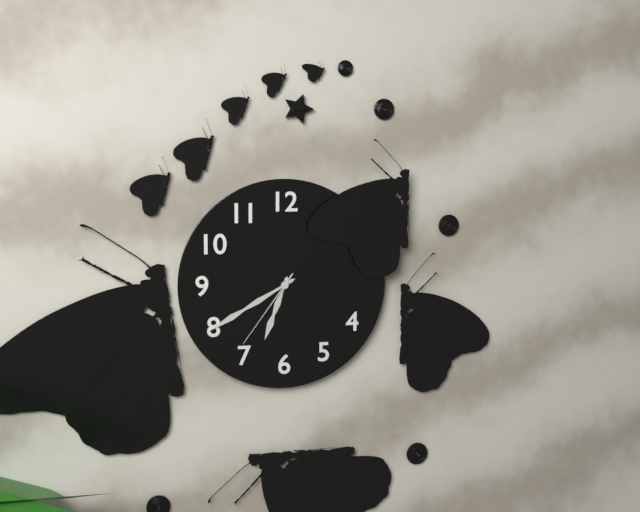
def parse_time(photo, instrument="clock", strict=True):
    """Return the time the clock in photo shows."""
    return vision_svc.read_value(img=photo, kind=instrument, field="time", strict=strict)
6:40:36
